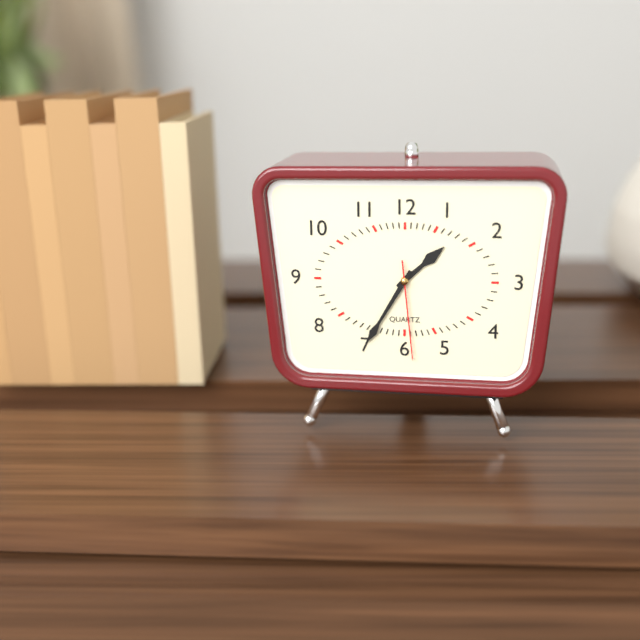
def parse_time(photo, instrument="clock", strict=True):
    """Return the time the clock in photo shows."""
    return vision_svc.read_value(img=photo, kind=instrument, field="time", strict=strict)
1:35:29
